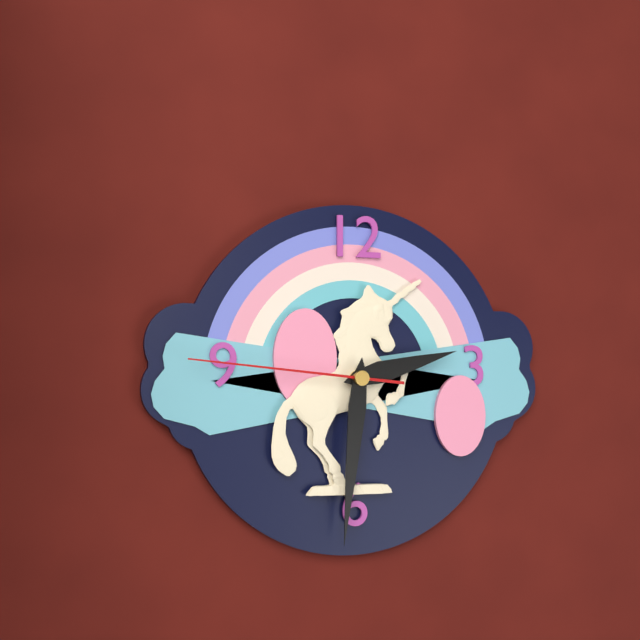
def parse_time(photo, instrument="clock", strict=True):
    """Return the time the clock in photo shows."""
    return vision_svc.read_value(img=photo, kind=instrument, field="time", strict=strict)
2:31:46
